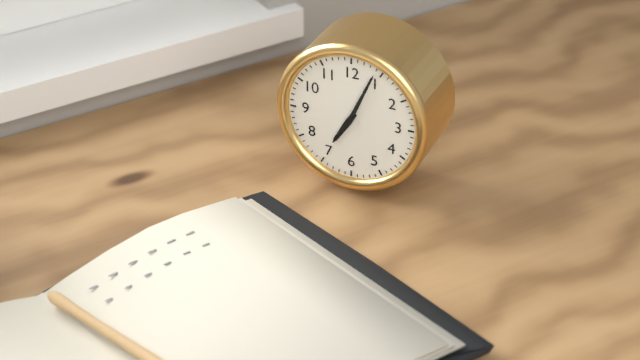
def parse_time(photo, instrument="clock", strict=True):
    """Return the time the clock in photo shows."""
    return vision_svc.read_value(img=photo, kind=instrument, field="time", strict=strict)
7:04
